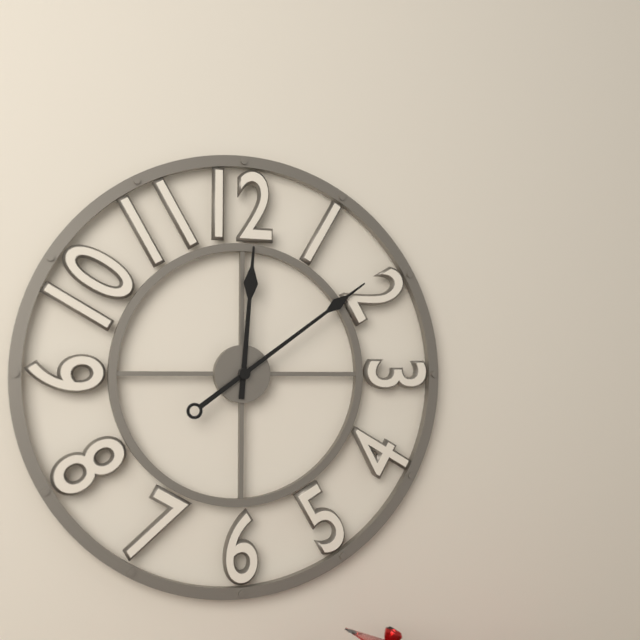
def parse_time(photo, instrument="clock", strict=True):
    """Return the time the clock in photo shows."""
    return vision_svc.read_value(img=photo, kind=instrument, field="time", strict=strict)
12:09
